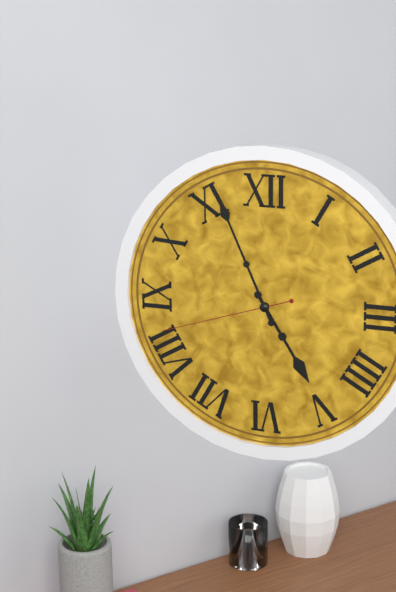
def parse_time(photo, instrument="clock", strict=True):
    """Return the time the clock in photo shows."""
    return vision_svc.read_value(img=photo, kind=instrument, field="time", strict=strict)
4:56:42
